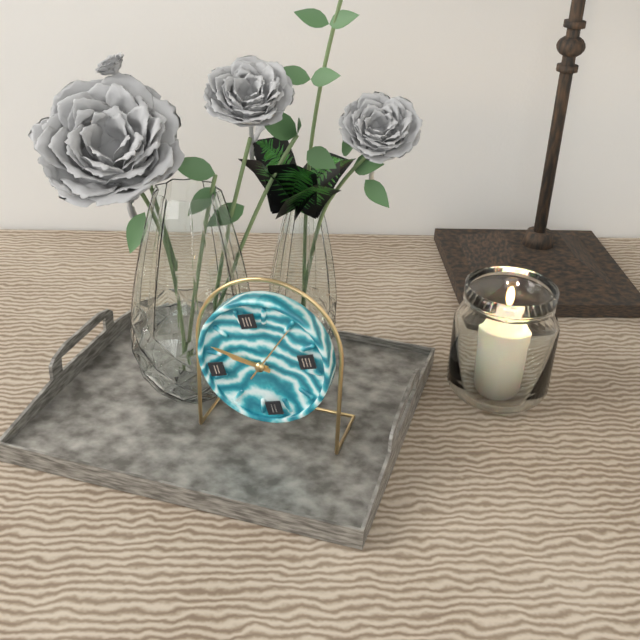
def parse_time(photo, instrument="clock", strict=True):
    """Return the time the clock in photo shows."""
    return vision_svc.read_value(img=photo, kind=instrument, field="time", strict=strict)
9:50:08
